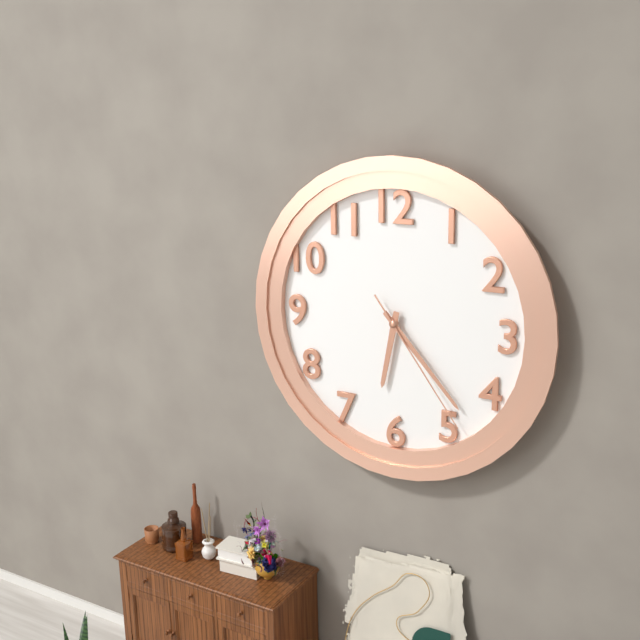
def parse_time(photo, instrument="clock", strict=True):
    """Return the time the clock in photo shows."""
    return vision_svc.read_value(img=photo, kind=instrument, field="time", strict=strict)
6:23:24
